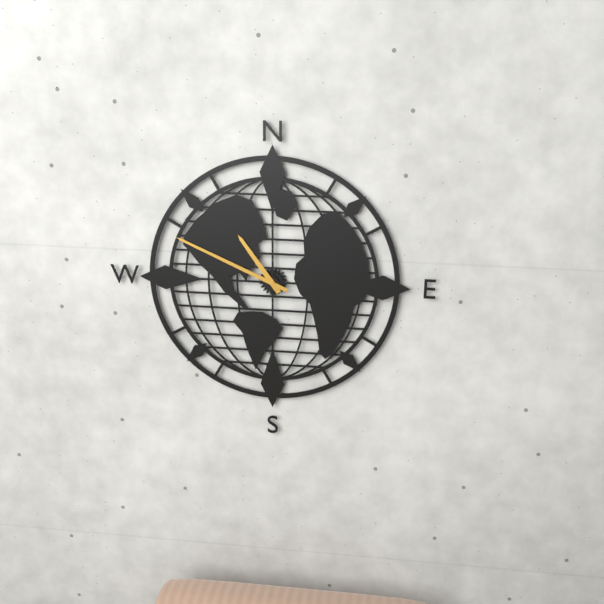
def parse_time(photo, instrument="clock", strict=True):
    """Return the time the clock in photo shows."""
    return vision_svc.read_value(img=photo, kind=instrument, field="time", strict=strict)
10:49
